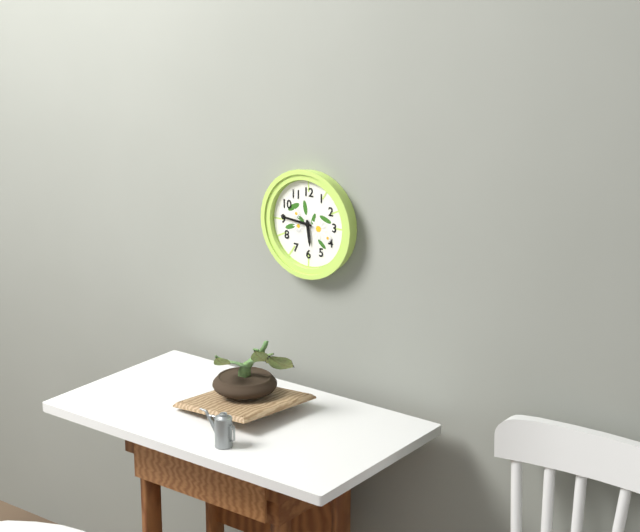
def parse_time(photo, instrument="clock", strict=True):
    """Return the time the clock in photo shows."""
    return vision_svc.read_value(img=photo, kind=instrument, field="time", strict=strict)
5:46
